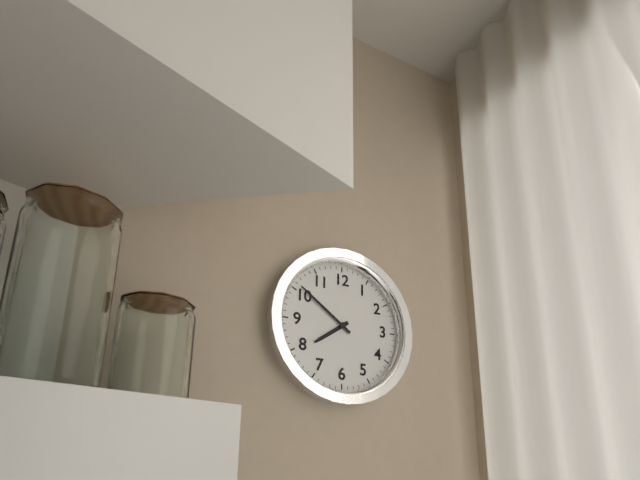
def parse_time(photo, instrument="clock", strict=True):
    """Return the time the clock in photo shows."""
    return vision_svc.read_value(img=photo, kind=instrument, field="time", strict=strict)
7:51
